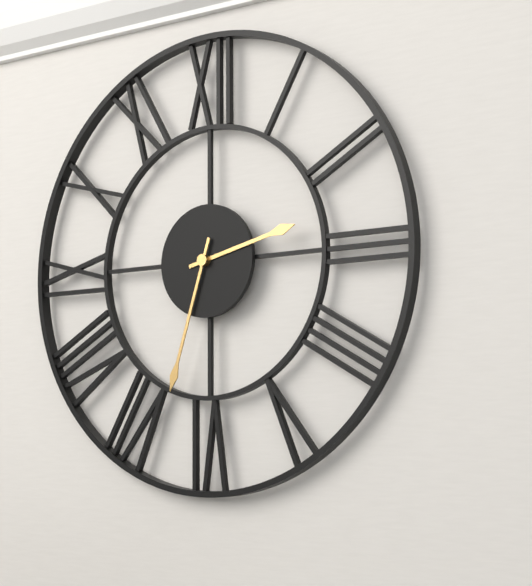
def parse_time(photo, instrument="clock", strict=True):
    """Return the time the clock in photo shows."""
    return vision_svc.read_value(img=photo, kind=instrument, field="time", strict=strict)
2:33
